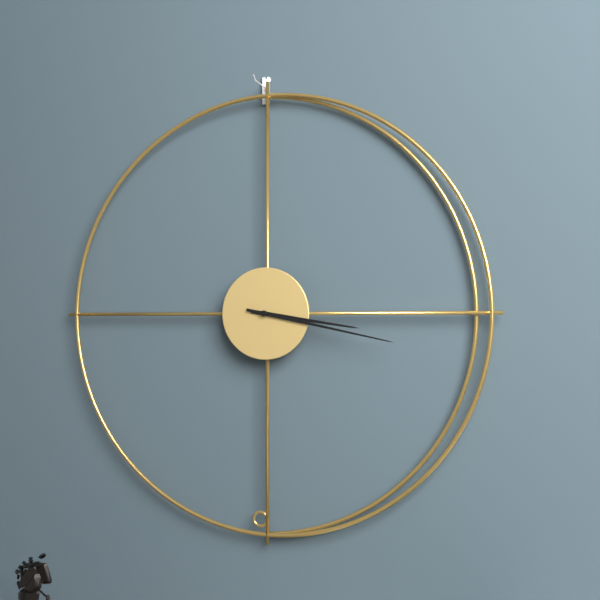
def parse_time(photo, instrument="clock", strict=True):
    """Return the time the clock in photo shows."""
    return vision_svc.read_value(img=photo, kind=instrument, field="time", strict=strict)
3:17
